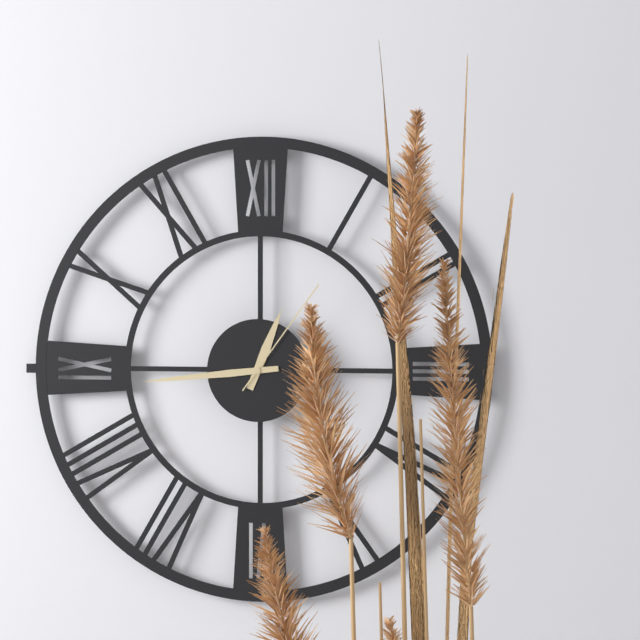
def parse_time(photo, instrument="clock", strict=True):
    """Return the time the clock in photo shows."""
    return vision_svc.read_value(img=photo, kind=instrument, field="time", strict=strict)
12:44:06
